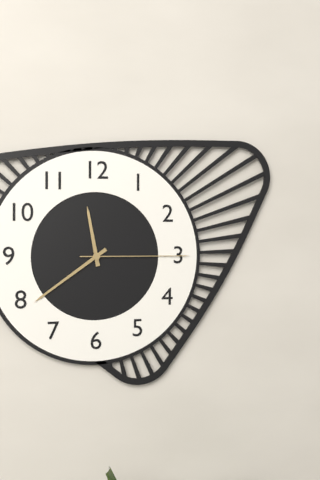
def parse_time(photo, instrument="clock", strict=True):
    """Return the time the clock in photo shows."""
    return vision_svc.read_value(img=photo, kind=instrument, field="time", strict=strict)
11:39:15
